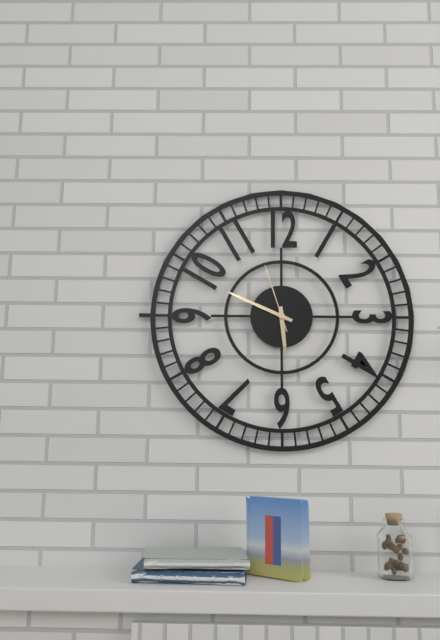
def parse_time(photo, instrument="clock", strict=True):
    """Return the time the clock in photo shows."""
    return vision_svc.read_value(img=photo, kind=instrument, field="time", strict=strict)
5:49:57
